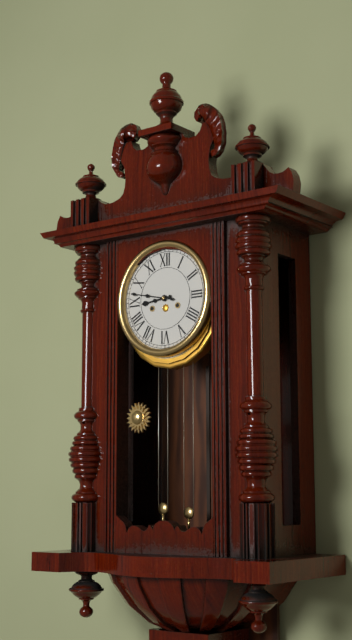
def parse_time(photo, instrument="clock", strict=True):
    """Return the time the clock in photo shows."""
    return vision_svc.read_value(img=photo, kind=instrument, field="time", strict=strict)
8:47
